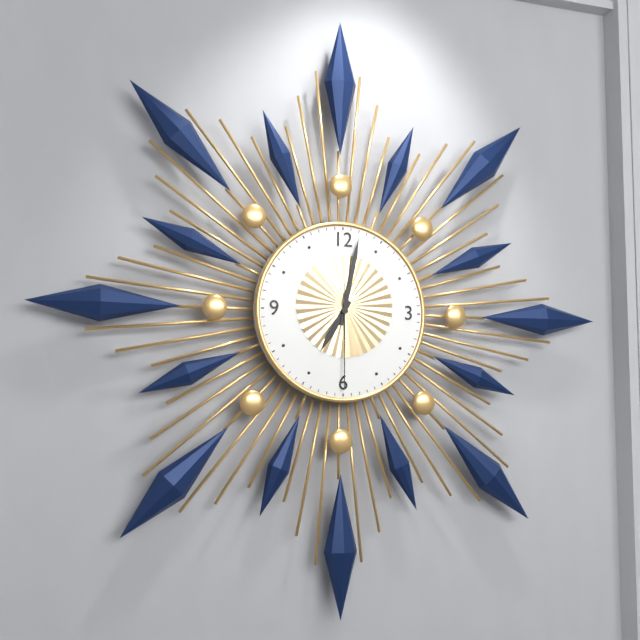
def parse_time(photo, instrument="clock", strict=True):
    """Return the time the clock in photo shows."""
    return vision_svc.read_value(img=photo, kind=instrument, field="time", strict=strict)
7:02:30
